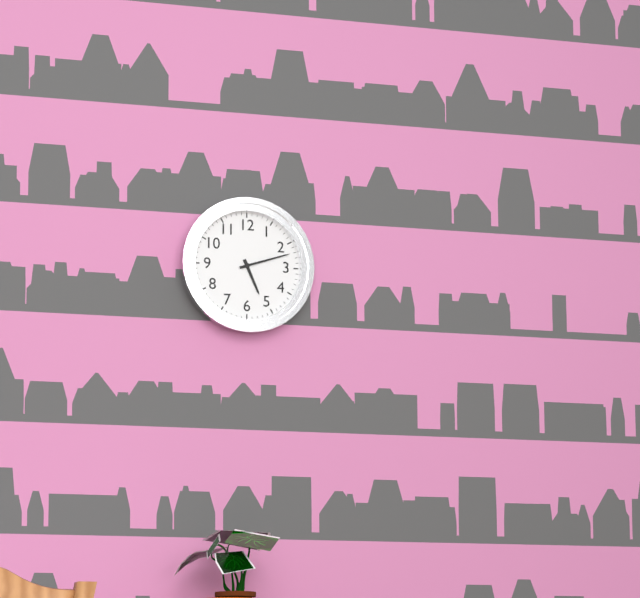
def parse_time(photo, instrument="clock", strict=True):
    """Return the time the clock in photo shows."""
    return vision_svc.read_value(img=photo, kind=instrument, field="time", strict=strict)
5:12
